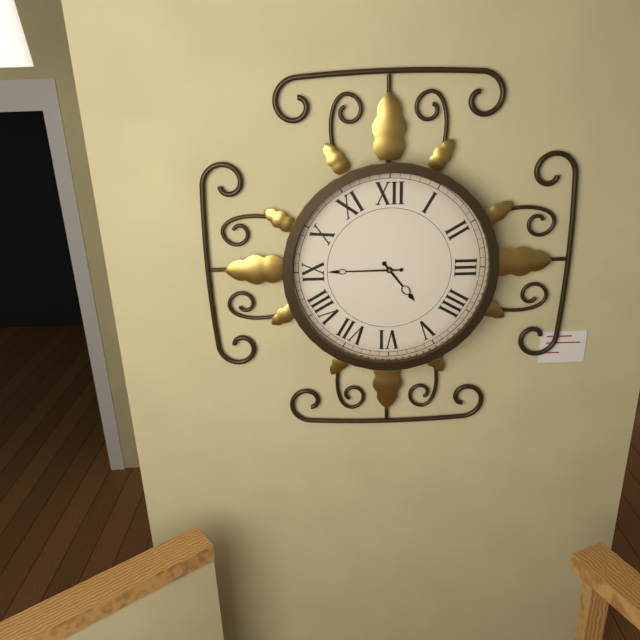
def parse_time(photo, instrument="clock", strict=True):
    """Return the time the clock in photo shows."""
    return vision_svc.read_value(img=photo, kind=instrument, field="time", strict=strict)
4:45
